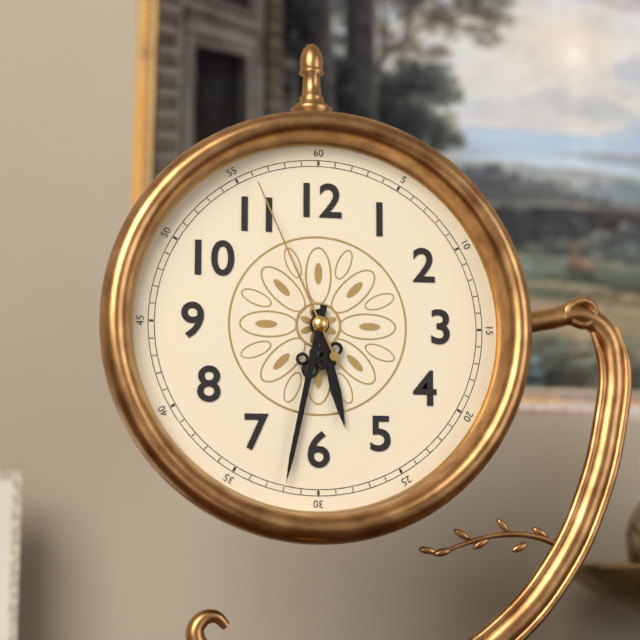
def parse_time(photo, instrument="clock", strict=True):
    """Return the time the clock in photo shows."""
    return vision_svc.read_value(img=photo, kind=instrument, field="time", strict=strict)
5:32:56
